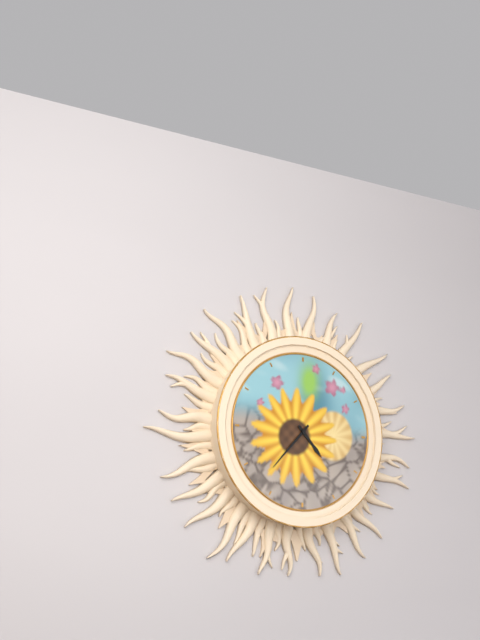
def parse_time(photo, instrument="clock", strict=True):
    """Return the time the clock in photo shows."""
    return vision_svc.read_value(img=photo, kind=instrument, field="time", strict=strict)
4:37
